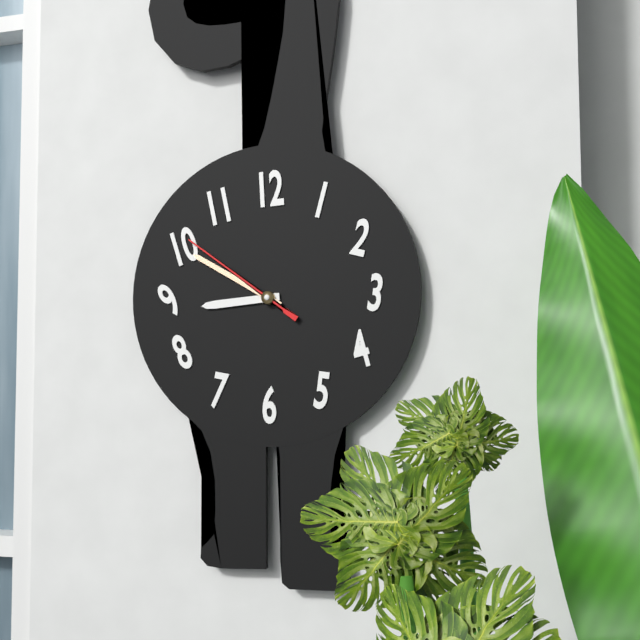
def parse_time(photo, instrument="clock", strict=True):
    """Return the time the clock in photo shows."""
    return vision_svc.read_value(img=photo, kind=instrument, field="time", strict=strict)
8:50:51
